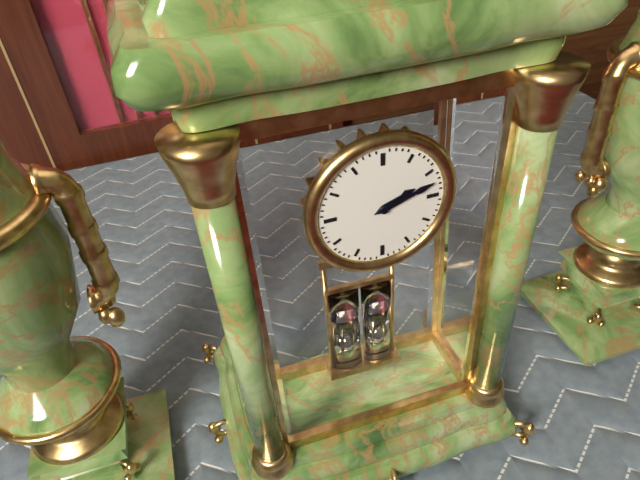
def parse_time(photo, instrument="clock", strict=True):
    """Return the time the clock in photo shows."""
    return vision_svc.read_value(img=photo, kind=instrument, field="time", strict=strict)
2:12
